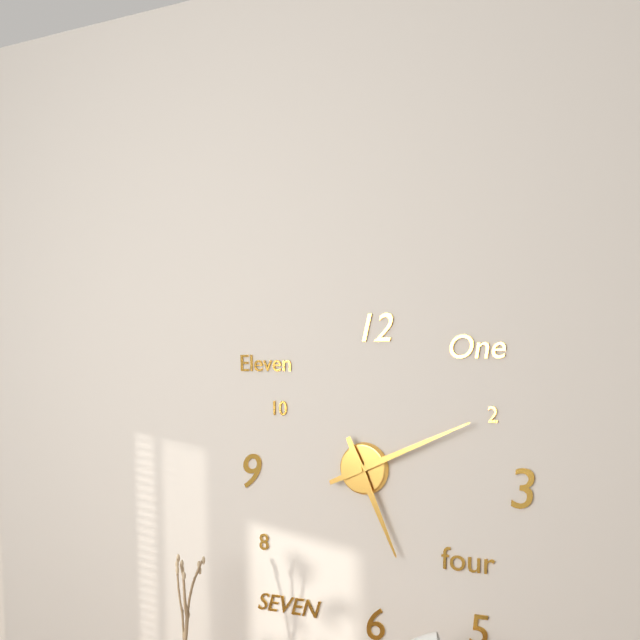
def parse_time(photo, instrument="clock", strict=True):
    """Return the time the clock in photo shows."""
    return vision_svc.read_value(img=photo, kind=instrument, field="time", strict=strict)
5:11
